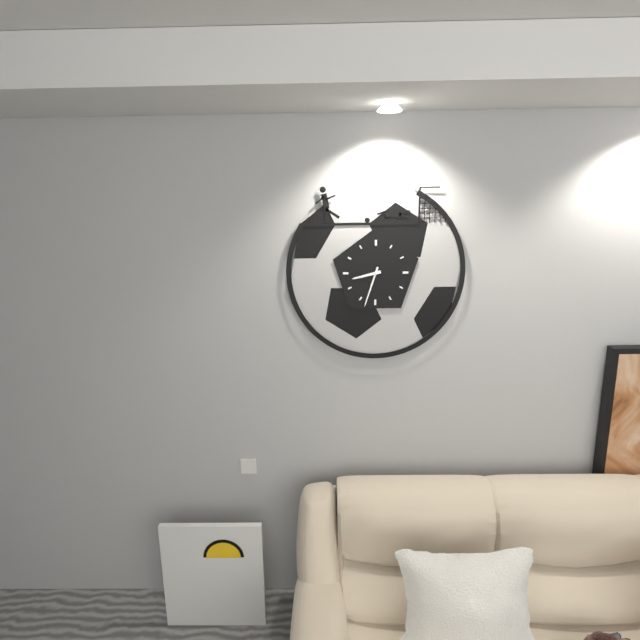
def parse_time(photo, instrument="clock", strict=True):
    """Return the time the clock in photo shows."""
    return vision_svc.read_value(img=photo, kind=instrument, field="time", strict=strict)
8:33
